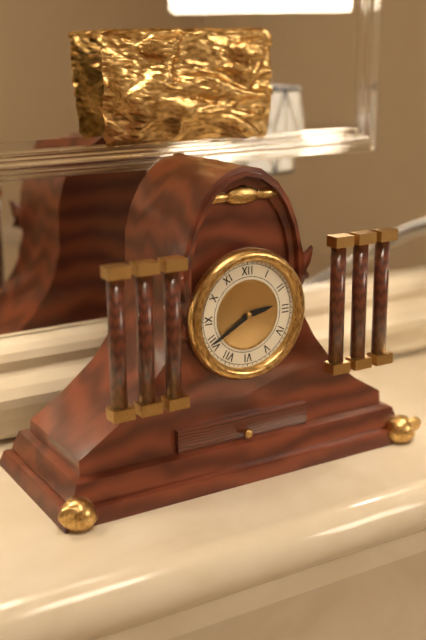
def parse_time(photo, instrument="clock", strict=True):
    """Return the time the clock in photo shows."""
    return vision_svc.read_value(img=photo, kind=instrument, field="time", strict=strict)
2:40
